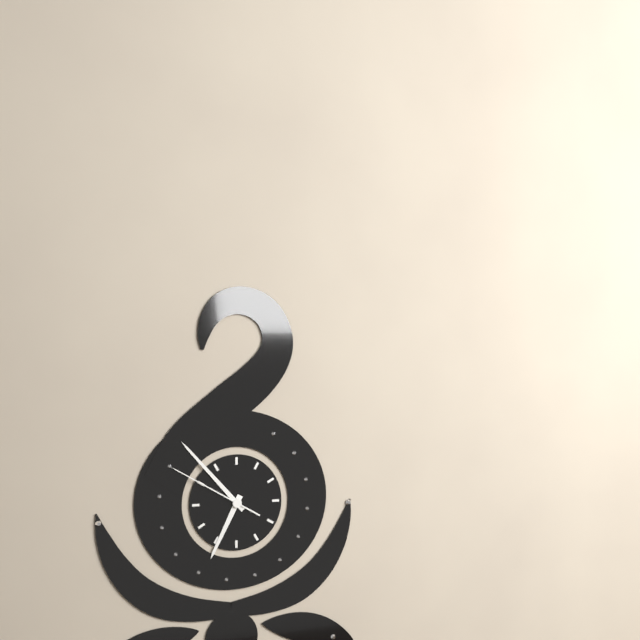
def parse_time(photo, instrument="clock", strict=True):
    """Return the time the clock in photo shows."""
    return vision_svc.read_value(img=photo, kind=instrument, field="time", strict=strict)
6:53:50
